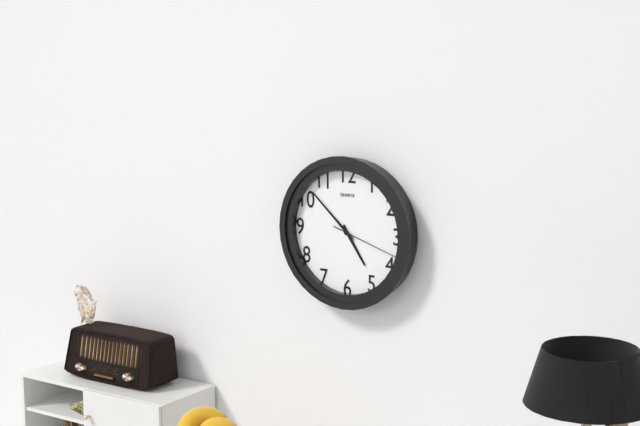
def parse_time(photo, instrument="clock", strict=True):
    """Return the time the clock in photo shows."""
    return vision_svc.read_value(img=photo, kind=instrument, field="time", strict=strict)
4:52:18
